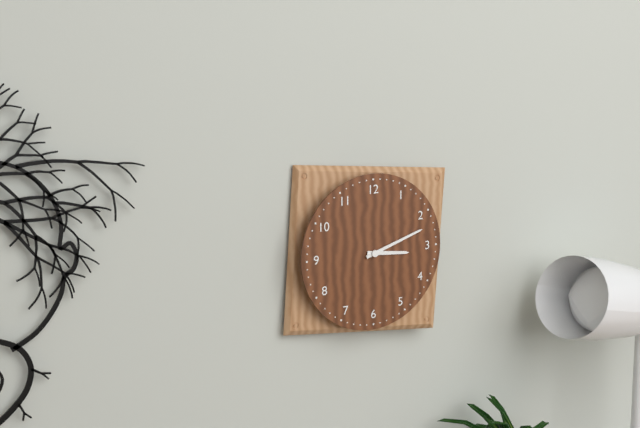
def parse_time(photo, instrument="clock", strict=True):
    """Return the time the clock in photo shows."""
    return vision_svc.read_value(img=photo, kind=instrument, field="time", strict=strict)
3:12
